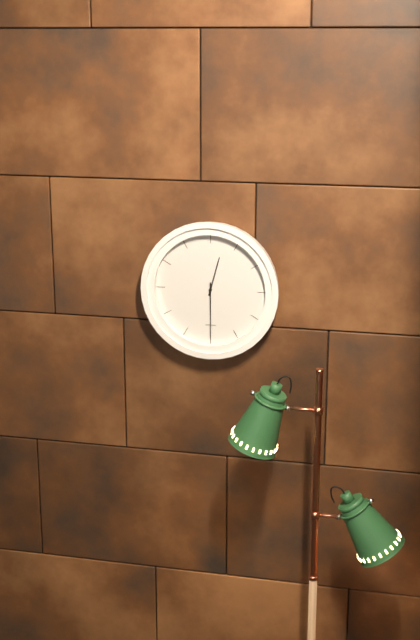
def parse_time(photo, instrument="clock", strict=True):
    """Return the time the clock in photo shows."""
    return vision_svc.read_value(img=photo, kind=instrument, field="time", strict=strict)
12:30
